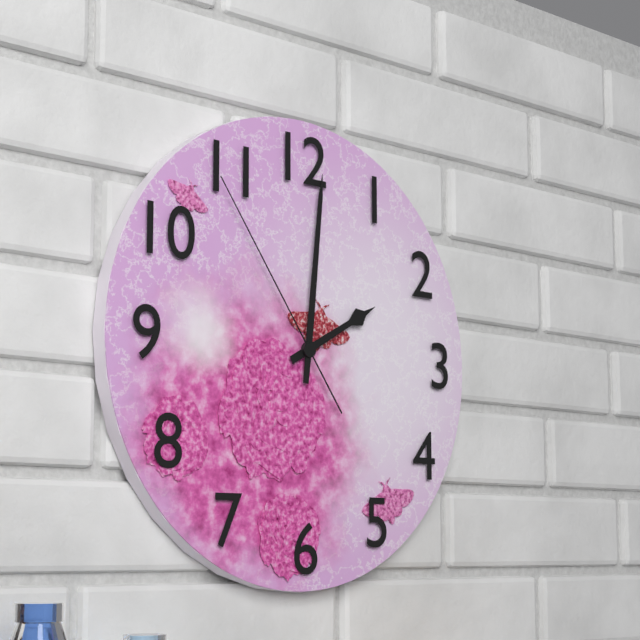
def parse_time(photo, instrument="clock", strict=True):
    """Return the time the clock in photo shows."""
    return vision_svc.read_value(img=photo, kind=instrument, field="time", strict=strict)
2:01:54
